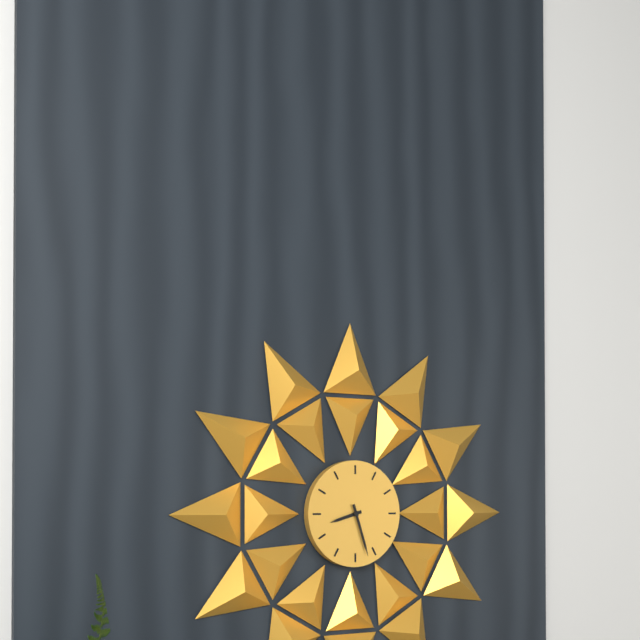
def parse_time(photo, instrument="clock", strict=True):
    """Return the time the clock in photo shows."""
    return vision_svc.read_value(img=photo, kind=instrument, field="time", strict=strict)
8:27
